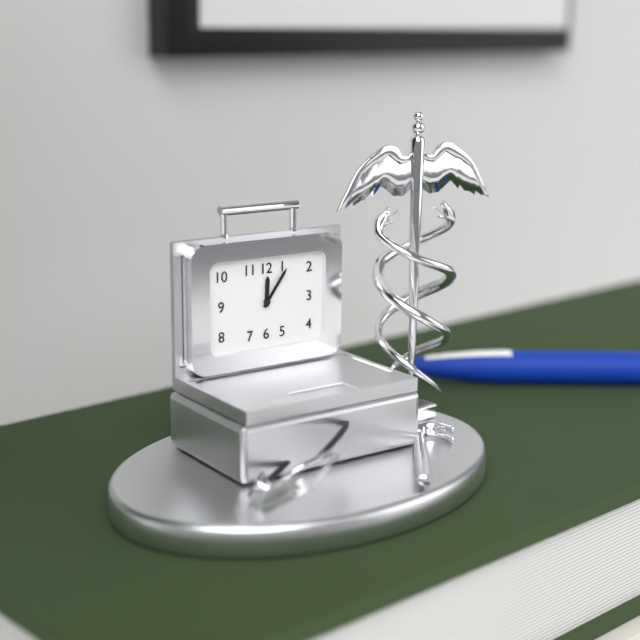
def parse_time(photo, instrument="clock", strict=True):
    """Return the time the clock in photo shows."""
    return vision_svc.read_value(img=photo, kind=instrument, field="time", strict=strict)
12:06
